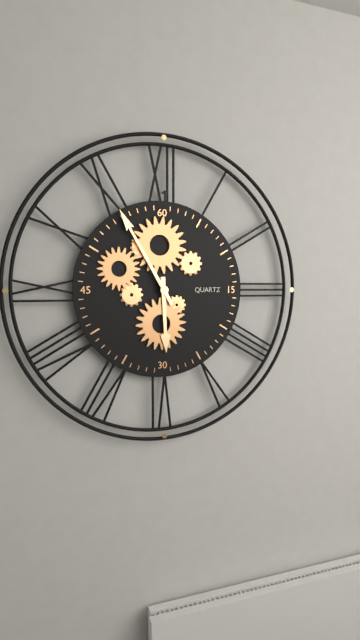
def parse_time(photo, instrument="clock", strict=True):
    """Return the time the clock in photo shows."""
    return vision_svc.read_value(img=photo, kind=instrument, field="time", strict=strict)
5:55
